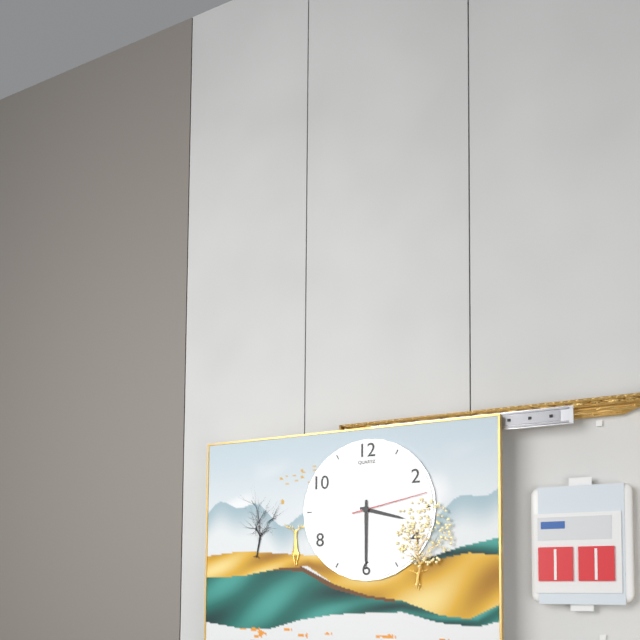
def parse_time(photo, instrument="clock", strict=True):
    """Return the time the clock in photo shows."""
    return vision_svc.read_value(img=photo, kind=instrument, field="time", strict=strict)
3:30:13
